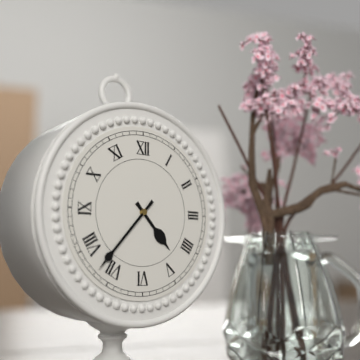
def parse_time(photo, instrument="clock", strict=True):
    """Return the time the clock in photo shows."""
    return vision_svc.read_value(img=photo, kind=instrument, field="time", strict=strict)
4:37
